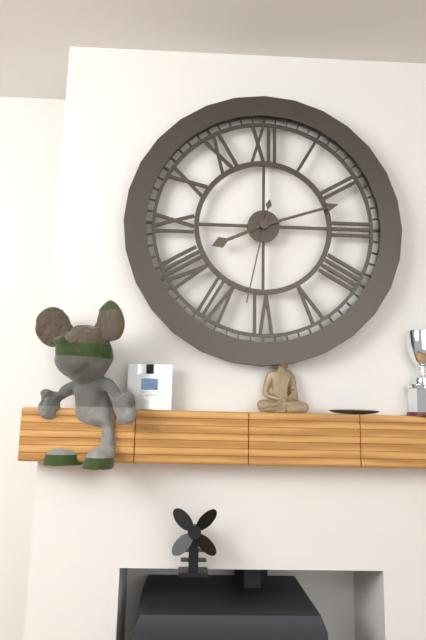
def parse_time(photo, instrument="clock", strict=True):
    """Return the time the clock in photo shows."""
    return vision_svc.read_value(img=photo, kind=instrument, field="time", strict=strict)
8:12:32
